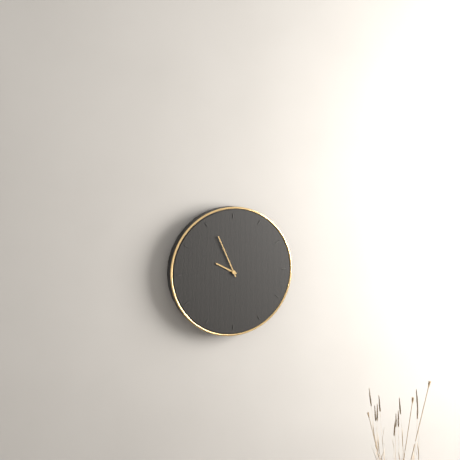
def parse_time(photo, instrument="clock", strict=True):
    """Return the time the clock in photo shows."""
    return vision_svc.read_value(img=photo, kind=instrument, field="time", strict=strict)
9:56
